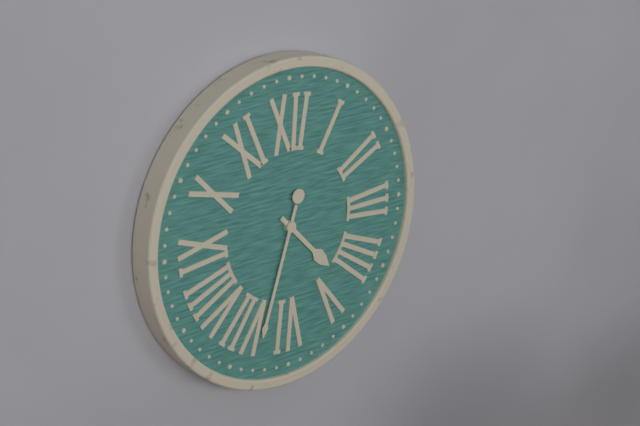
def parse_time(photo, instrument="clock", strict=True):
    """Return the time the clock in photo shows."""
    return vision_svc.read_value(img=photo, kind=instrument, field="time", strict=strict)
4:33
